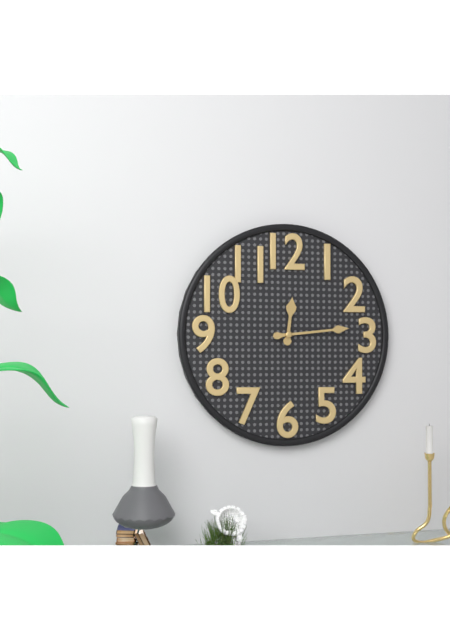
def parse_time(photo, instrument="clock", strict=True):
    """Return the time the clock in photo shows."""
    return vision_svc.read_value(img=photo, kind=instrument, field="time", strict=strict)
12:14
